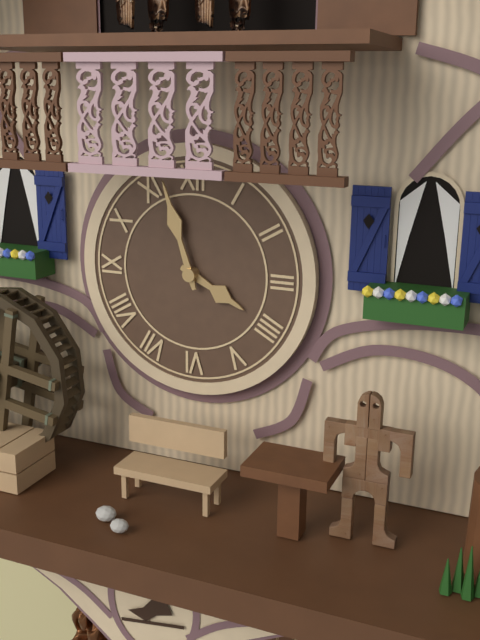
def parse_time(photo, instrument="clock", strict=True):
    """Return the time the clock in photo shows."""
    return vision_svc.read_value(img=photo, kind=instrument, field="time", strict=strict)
3:57
